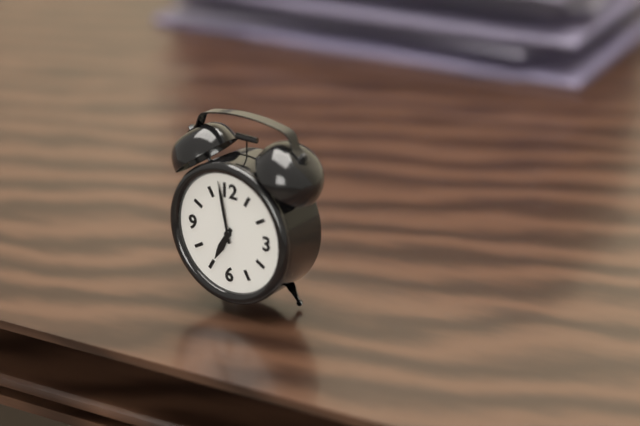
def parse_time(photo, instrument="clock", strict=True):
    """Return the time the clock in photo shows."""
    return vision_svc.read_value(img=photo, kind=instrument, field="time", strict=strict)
6:58
